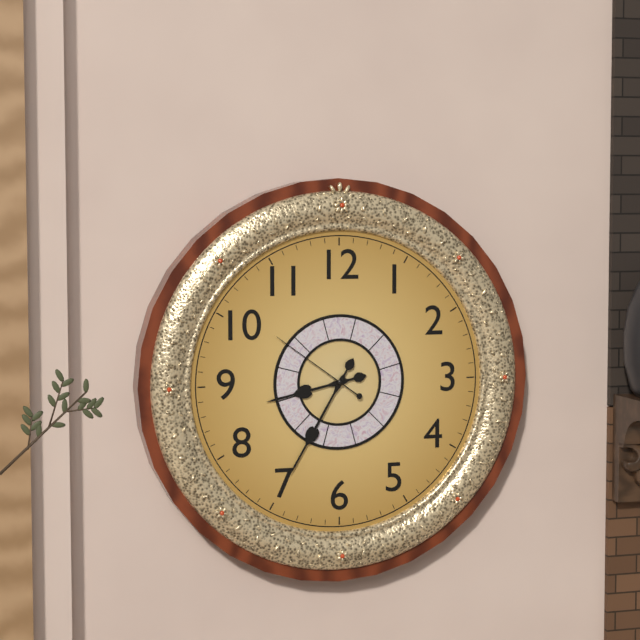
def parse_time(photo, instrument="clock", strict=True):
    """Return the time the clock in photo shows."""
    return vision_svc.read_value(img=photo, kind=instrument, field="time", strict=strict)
8:35:51
